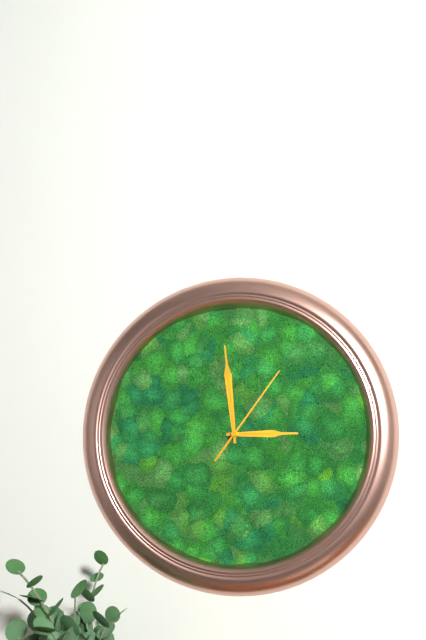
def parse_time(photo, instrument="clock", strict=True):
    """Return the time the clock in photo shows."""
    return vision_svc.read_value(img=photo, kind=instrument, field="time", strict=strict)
2:59:06
